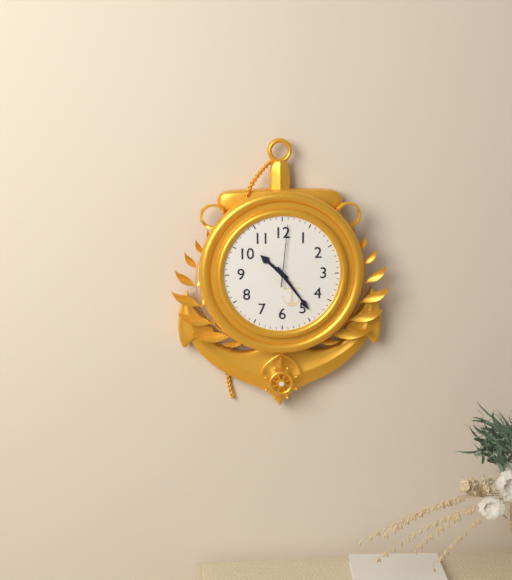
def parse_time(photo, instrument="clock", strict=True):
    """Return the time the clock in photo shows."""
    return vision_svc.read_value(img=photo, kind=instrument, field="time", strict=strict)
10:24:01
